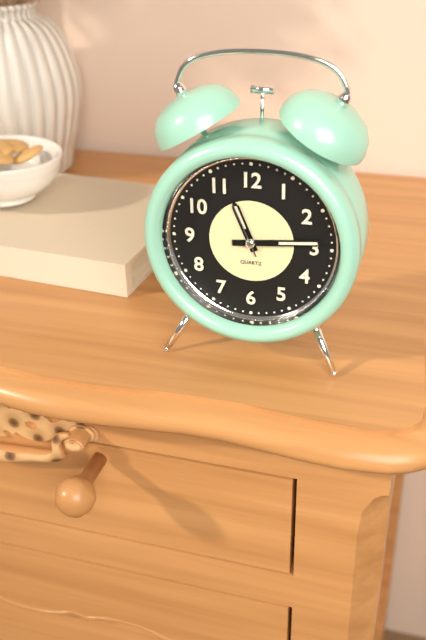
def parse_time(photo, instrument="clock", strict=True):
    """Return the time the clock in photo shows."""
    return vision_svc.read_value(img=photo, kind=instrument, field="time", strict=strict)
11:14
